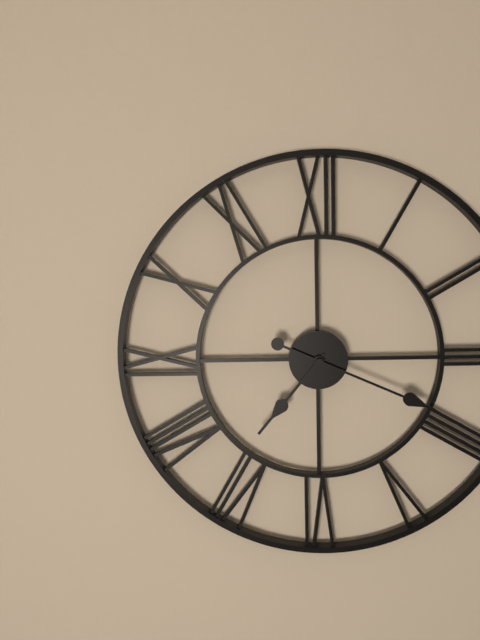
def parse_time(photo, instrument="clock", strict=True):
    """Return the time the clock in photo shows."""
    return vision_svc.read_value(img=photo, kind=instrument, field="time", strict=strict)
7:19
